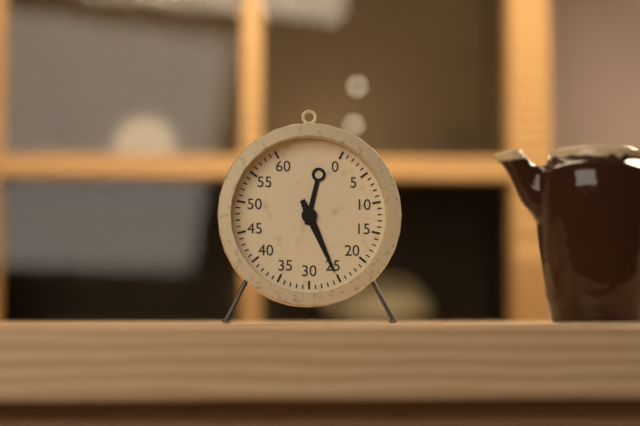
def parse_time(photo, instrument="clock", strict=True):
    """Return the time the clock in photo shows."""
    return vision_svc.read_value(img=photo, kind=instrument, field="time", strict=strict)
12:26
